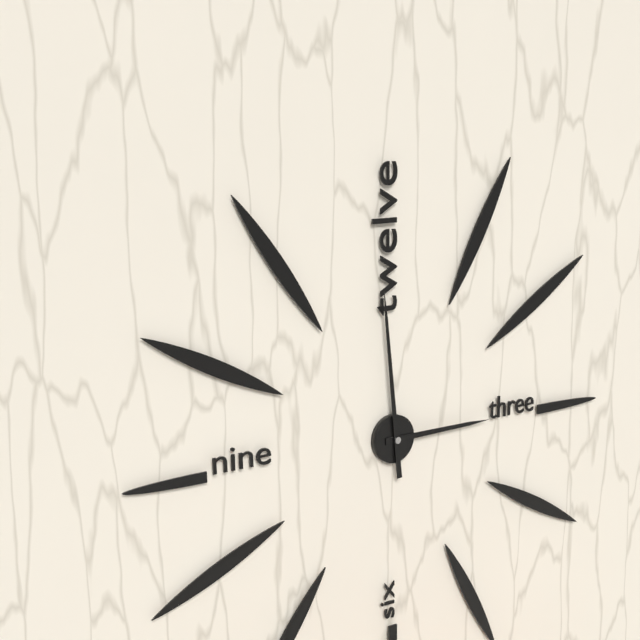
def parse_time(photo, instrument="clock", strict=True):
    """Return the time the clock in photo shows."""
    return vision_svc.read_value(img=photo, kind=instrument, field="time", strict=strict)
2:59
